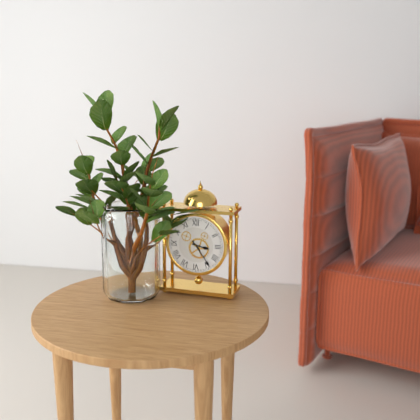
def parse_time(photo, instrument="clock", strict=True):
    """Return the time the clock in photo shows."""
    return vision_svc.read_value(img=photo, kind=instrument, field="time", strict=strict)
3:24
